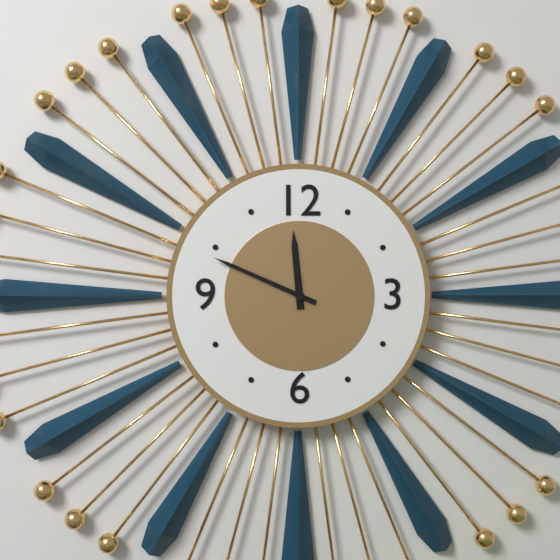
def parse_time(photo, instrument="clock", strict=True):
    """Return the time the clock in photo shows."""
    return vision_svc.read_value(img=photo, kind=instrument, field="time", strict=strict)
11:49
